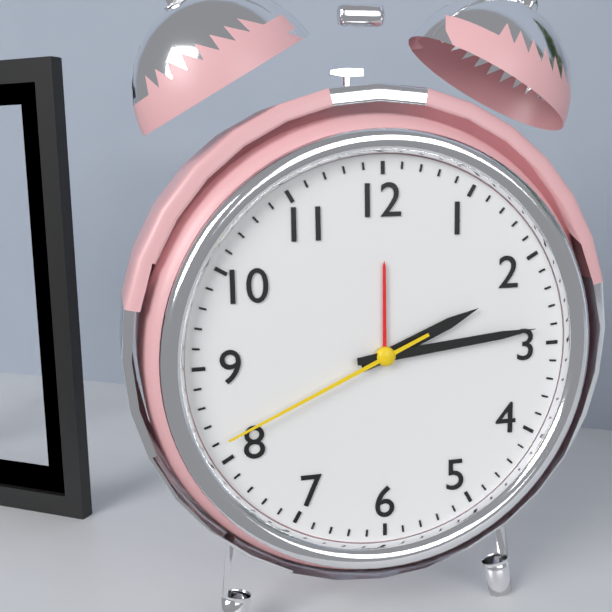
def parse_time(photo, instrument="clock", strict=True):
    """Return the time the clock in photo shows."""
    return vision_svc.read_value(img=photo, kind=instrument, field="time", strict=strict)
2:14:41
